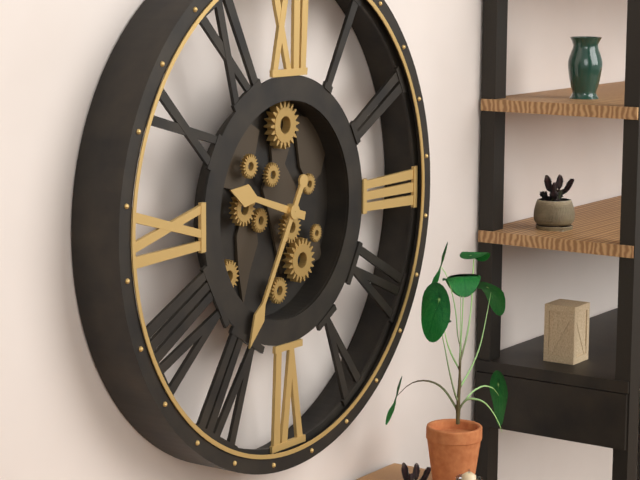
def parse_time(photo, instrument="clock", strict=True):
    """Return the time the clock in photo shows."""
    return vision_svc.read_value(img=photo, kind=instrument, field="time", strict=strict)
9:35
